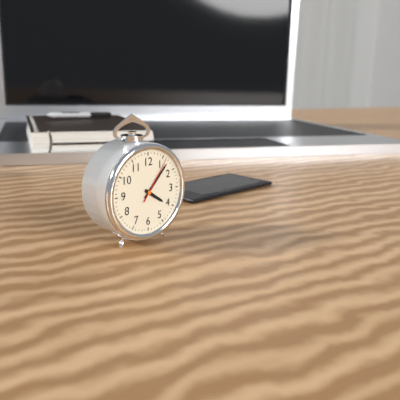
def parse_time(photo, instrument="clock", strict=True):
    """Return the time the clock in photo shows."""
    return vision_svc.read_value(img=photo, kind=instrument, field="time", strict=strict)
4:07
